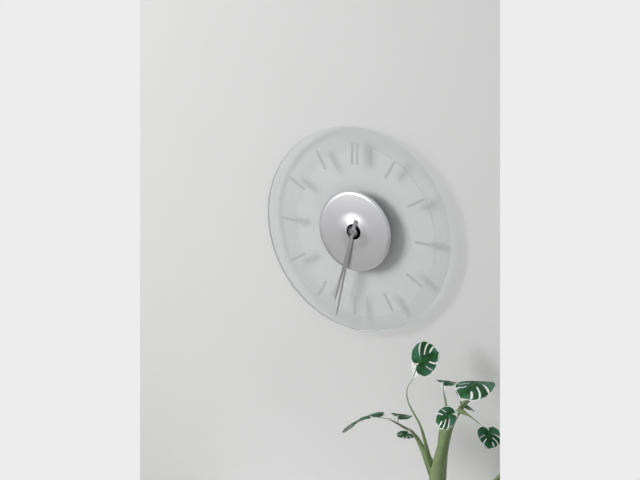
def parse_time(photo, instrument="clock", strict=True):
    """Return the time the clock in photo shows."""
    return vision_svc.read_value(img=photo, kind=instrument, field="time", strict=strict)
6:32
